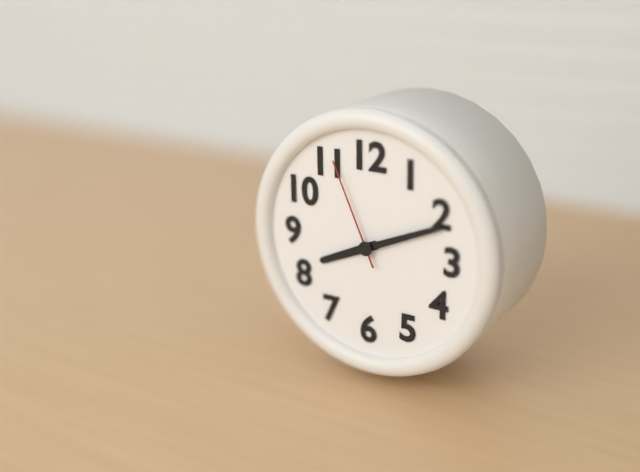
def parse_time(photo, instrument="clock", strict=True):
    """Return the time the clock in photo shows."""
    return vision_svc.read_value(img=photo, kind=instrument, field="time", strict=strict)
8:11:56
